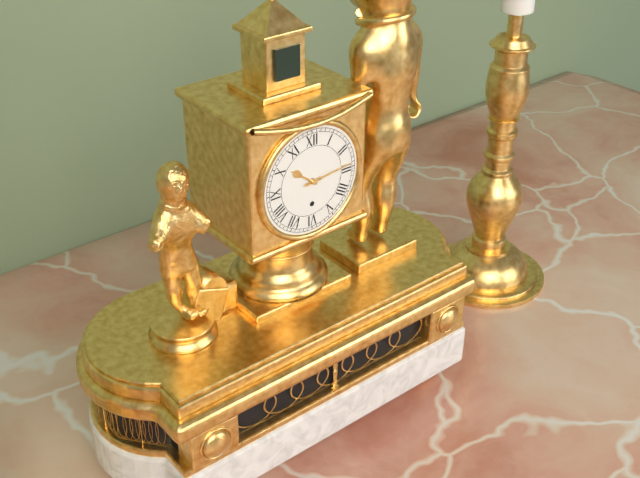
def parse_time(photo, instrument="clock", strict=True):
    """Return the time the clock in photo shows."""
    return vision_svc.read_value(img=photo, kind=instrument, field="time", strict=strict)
10:14
